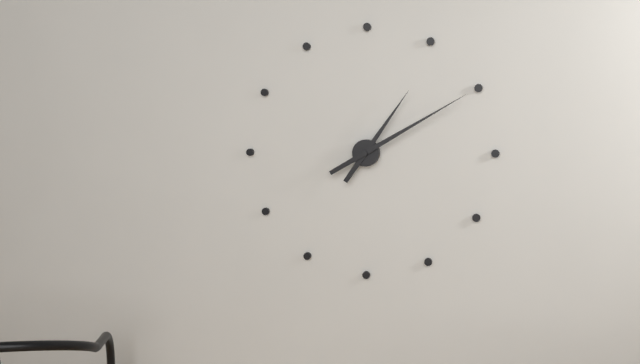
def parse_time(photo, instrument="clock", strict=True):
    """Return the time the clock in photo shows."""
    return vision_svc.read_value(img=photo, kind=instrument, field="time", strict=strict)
1:10
